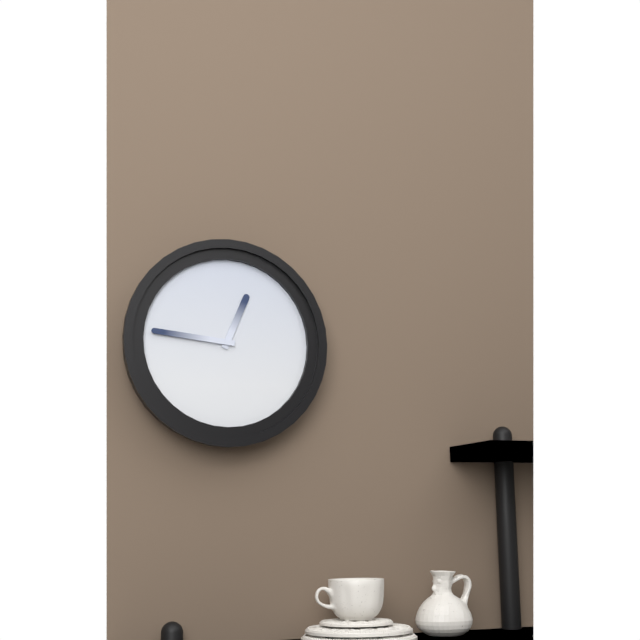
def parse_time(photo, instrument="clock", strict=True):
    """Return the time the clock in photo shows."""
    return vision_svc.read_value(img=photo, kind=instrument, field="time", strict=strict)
12:46
